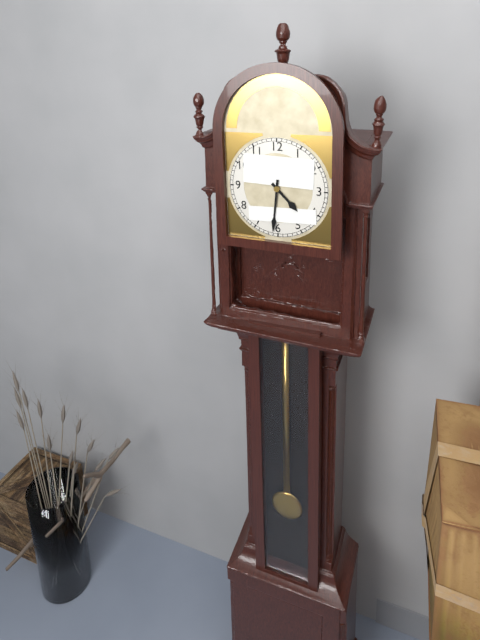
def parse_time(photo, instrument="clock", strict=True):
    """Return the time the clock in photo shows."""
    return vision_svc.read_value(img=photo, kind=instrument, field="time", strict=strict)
4:31
